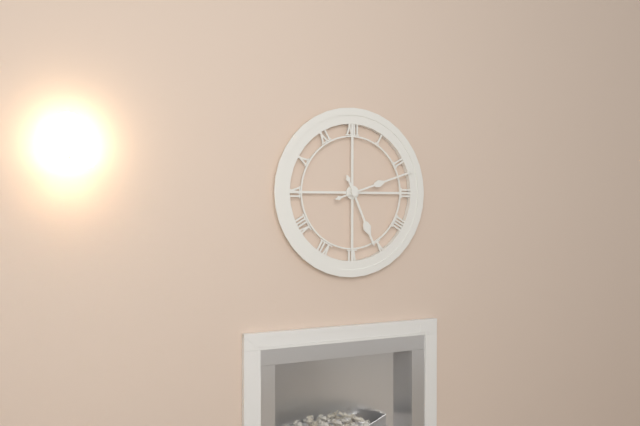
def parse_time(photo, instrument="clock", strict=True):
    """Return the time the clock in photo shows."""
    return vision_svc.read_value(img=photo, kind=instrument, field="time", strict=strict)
5:12
